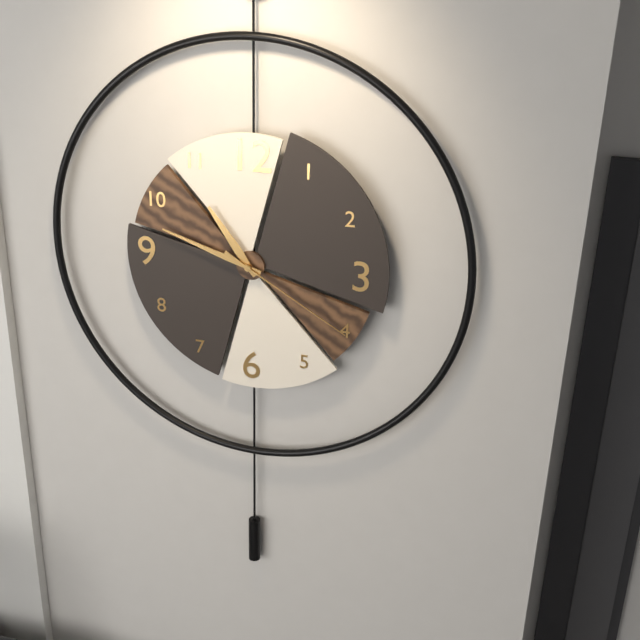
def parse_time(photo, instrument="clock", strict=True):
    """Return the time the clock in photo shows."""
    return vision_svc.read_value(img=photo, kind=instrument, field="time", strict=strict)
10:48:20
